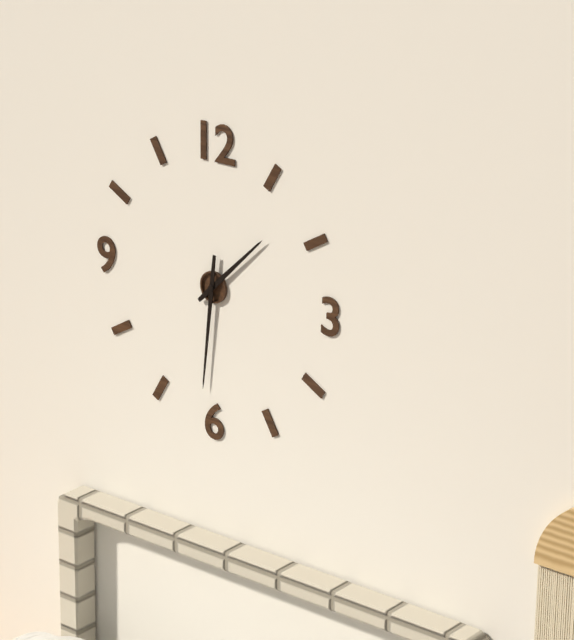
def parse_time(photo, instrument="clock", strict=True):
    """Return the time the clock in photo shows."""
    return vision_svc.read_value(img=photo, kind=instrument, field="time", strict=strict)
1:31
